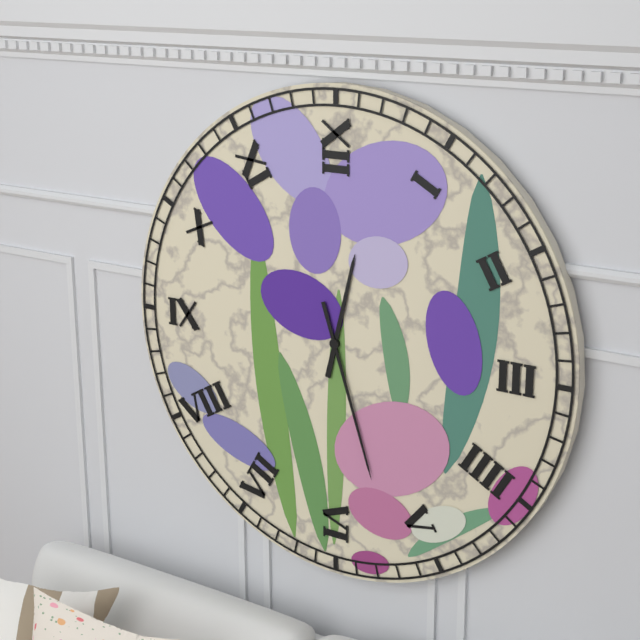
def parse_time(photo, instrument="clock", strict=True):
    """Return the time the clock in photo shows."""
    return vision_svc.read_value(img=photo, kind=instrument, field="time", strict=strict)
12:27
